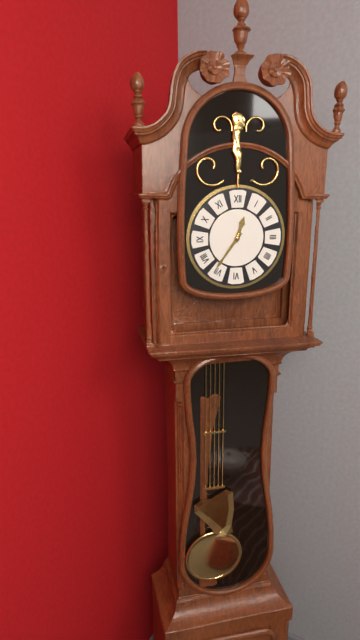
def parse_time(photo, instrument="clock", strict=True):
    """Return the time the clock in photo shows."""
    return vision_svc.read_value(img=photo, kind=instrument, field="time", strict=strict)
12:36
